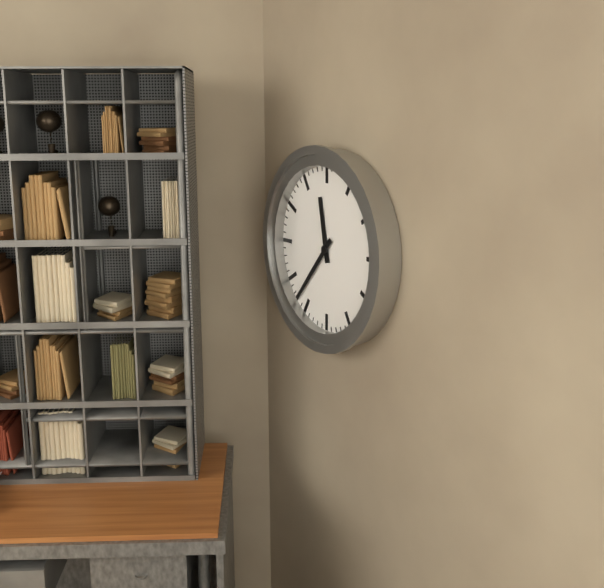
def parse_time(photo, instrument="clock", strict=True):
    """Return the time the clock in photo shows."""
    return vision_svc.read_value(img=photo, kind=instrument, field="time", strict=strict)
11:37
